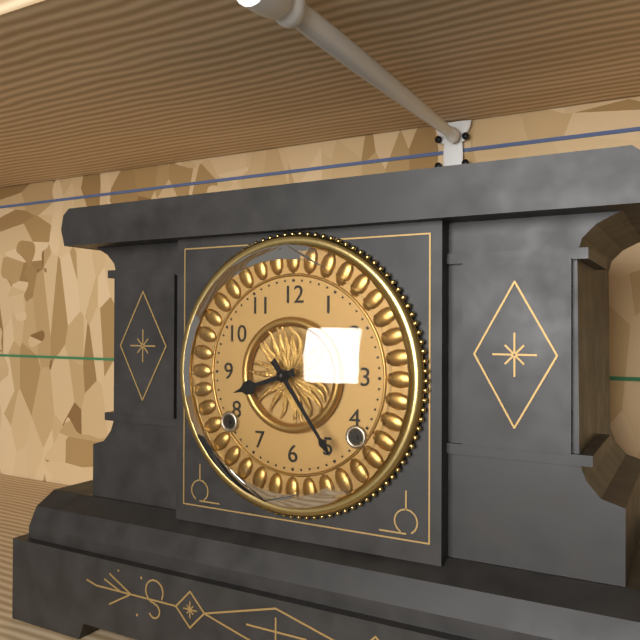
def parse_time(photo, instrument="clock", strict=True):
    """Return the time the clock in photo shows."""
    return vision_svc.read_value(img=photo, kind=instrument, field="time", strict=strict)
8:24
